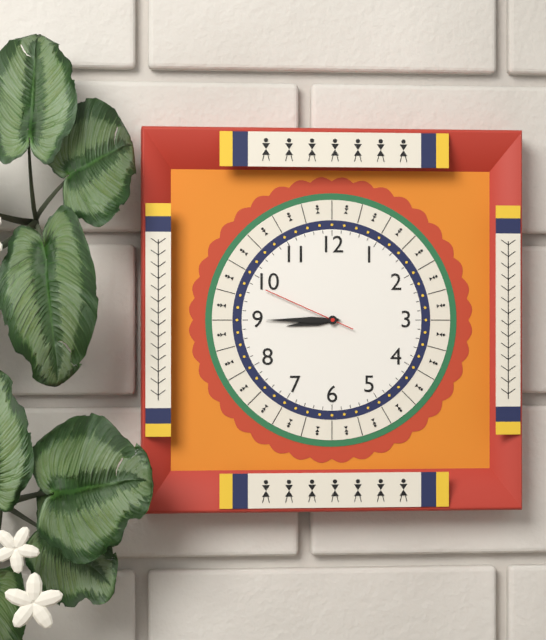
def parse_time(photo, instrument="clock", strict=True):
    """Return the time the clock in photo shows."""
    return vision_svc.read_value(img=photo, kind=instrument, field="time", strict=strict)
8:45:49
